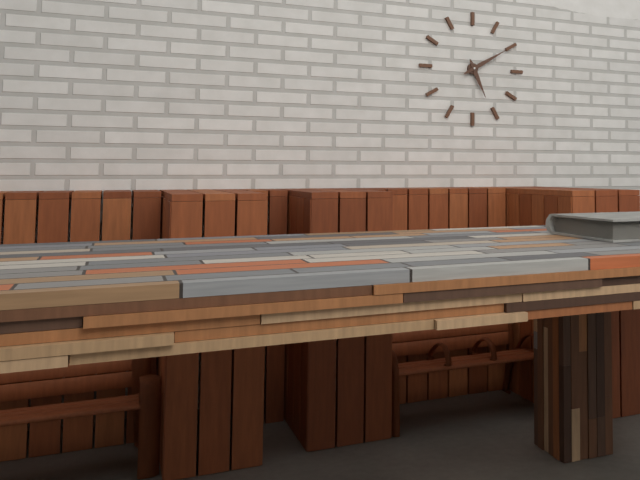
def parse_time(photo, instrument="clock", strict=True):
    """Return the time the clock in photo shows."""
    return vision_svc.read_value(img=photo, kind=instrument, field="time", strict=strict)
5:10
